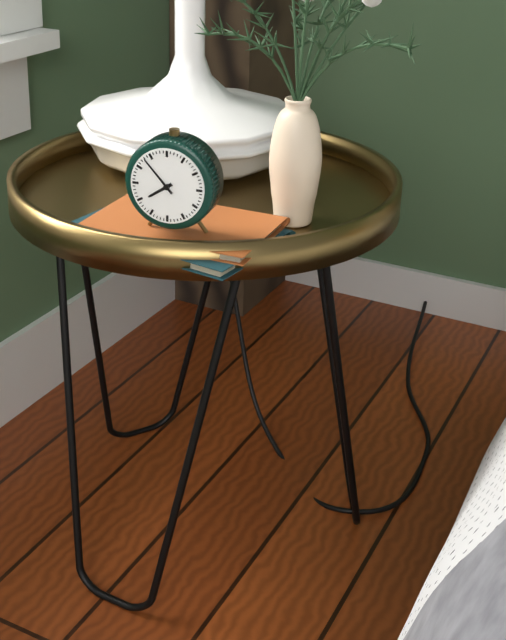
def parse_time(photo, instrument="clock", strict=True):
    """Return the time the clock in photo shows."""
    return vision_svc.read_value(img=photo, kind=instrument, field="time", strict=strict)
7:53
